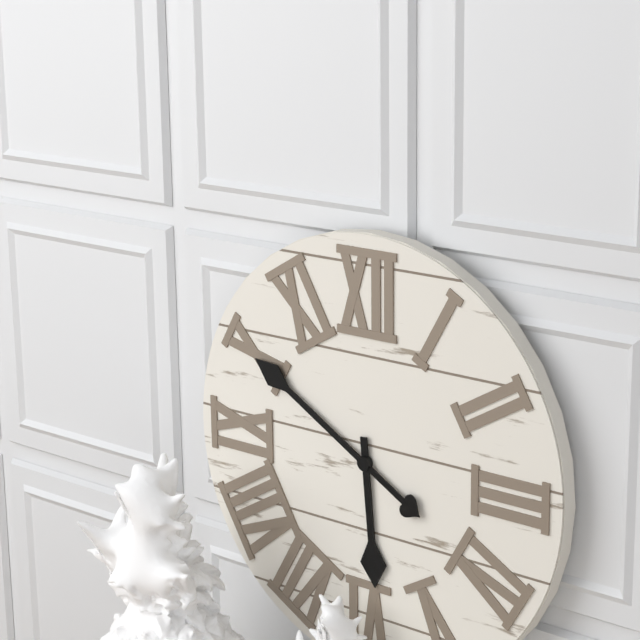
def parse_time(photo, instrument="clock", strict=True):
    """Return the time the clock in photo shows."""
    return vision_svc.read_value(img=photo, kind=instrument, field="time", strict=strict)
5:50
